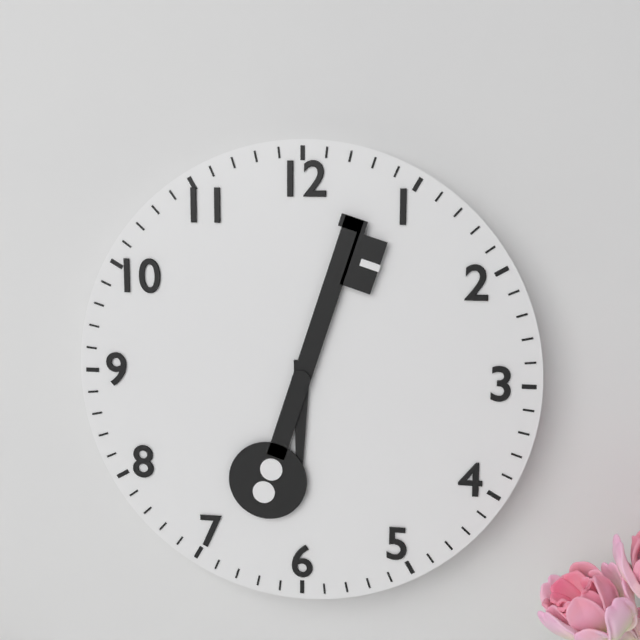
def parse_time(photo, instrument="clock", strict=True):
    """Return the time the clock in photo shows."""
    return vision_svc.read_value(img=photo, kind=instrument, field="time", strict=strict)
6:03
